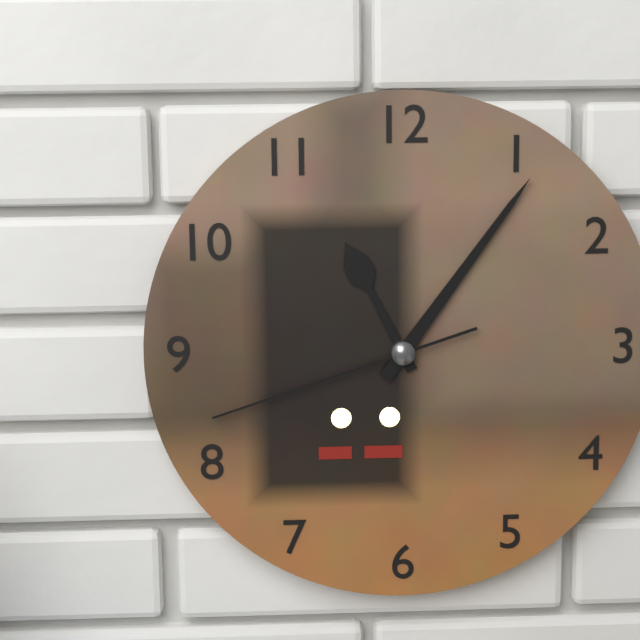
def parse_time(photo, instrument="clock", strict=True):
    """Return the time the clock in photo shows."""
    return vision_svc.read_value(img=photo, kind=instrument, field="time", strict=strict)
11:06:42
